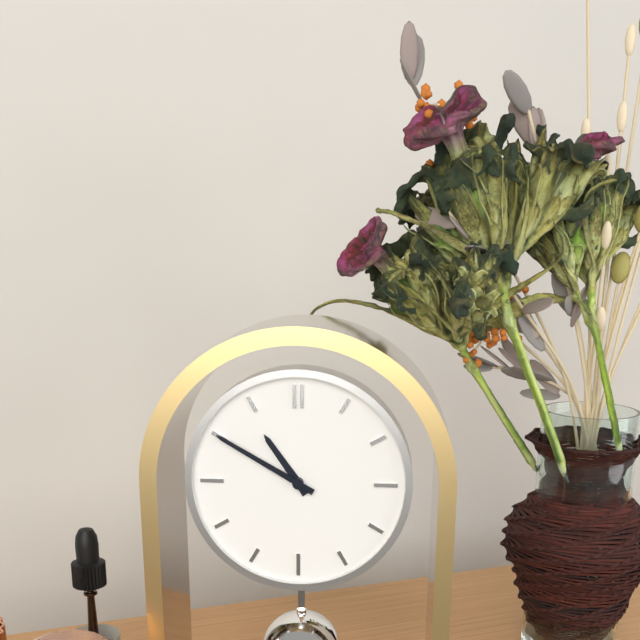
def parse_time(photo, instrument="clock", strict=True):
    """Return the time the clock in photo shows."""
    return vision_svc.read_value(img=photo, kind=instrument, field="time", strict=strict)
10:50
